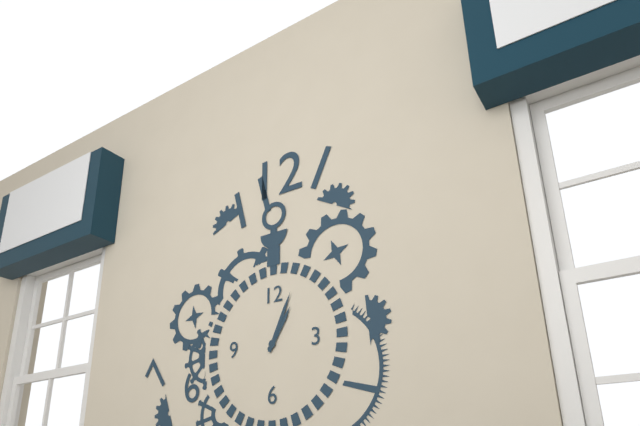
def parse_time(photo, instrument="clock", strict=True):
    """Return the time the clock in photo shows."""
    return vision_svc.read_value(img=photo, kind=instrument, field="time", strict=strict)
1:04
